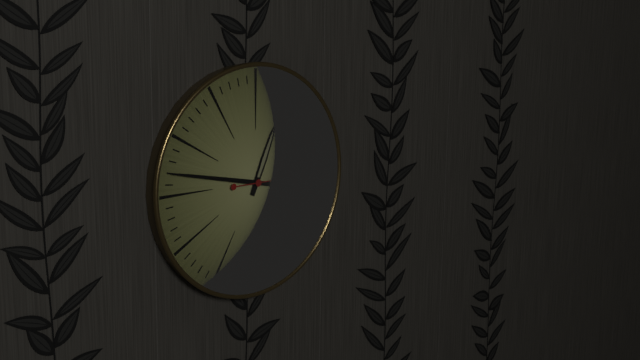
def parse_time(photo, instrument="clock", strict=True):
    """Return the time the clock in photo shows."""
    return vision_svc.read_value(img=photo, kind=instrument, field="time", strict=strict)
12:47:15
